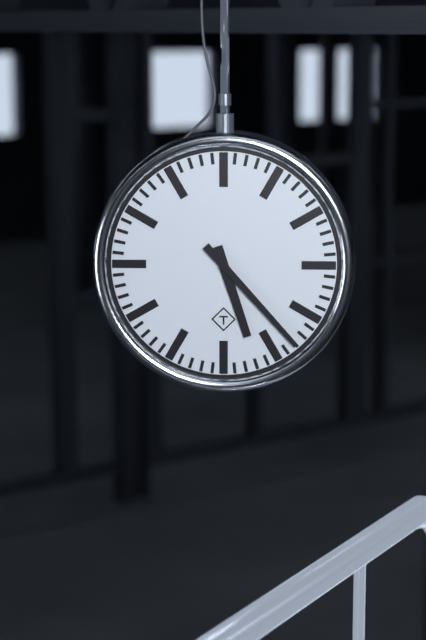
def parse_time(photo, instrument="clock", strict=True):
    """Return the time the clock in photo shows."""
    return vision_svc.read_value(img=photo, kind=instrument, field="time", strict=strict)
5:23
